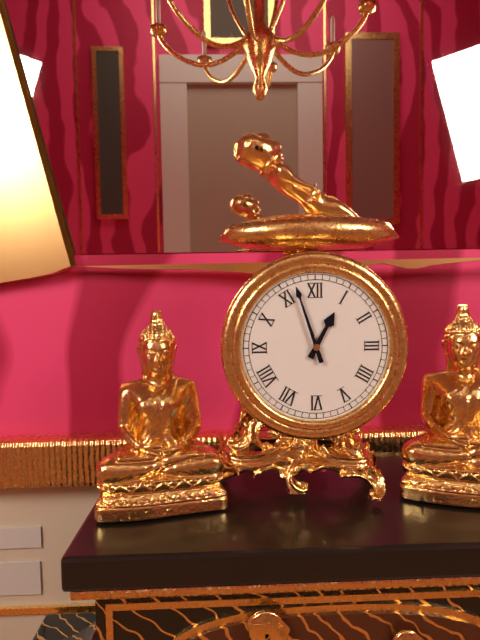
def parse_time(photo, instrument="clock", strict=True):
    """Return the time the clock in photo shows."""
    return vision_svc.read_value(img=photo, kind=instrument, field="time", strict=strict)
12:57
